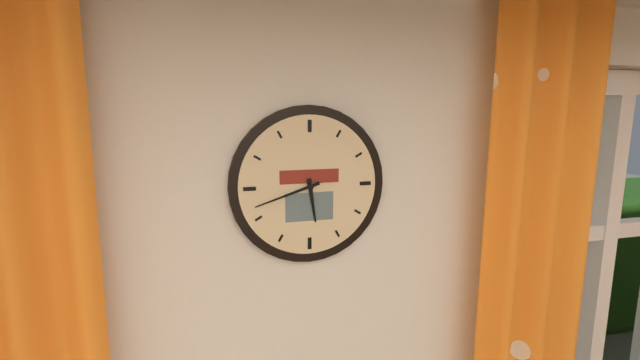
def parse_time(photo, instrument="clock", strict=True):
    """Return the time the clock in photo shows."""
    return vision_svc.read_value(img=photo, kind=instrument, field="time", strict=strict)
5:42
